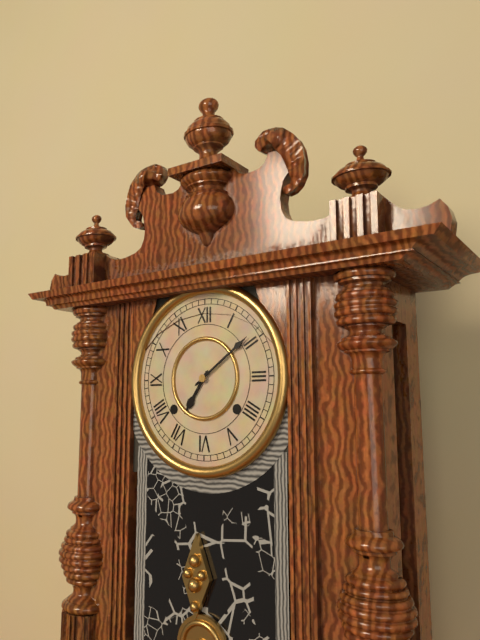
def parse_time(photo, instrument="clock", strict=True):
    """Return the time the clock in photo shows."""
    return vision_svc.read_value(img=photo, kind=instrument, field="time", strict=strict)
7:09
